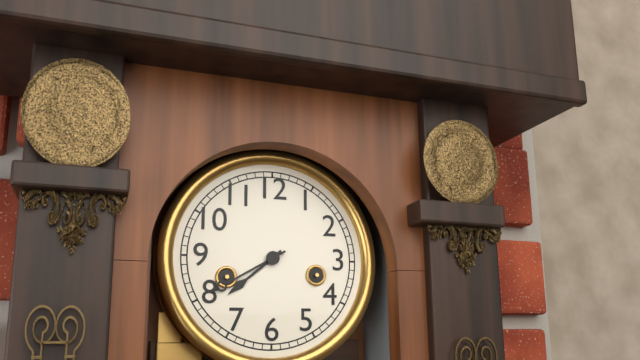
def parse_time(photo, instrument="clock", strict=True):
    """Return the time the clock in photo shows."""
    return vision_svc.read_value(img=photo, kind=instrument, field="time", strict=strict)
7:40
